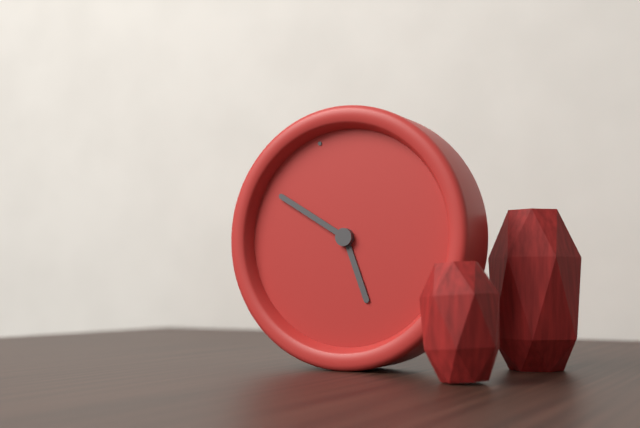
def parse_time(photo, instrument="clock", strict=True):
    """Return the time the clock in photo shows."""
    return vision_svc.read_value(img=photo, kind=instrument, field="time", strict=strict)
5:53
